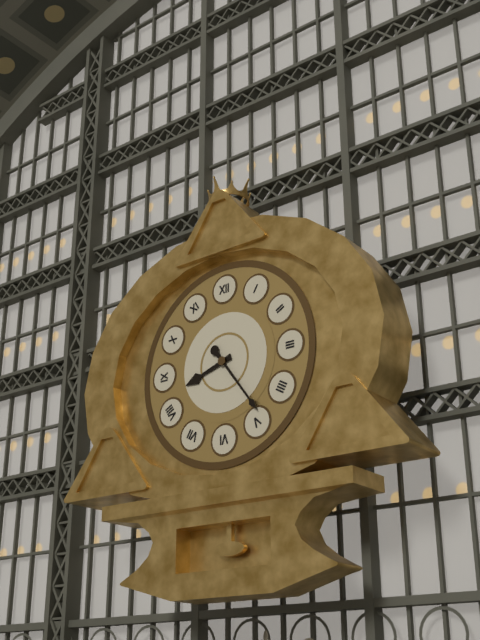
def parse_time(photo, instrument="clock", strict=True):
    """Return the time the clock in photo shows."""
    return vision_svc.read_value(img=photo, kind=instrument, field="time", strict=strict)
8:24
